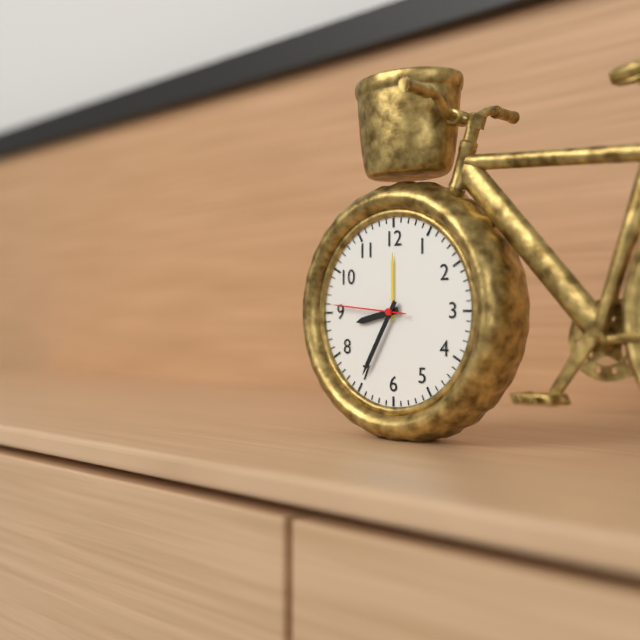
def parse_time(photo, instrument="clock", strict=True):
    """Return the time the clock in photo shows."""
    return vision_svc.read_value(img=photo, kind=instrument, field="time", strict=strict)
8:35:46
